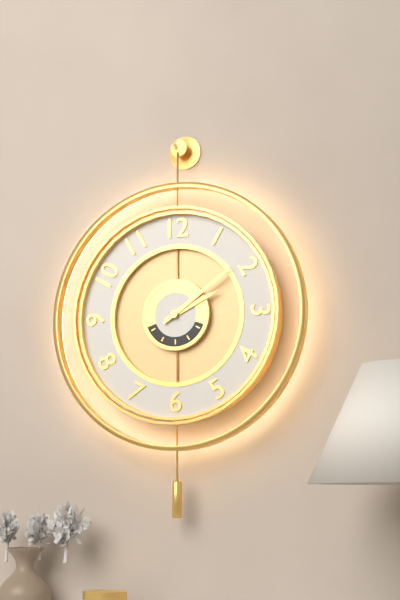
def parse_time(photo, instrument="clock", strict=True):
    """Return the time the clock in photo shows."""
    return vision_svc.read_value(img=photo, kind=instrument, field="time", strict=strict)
2:09
